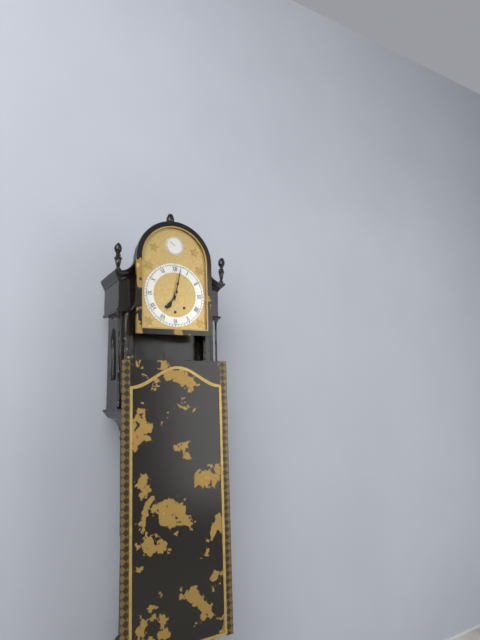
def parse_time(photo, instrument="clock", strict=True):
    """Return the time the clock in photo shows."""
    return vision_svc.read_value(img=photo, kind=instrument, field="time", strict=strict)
7:02
